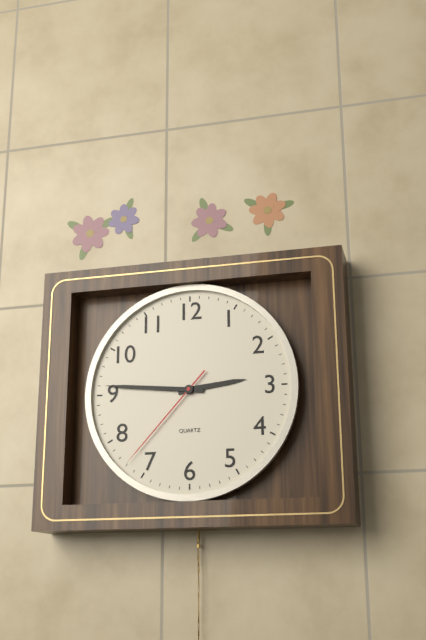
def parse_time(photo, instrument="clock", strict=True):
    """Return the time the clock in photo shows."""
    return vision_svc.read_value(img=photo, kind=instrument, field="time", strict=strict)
2:46:37
